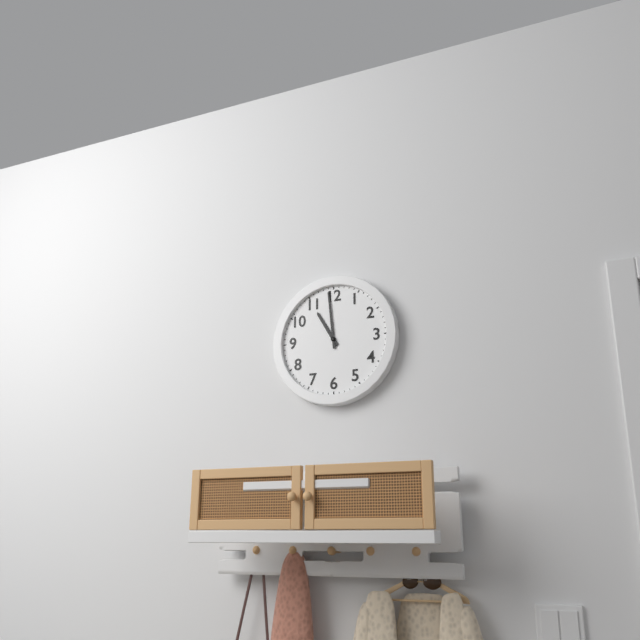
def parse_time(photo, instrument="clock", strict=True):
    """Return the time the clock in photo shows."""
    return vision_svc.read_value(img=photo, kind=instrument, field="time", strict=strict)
10:59
